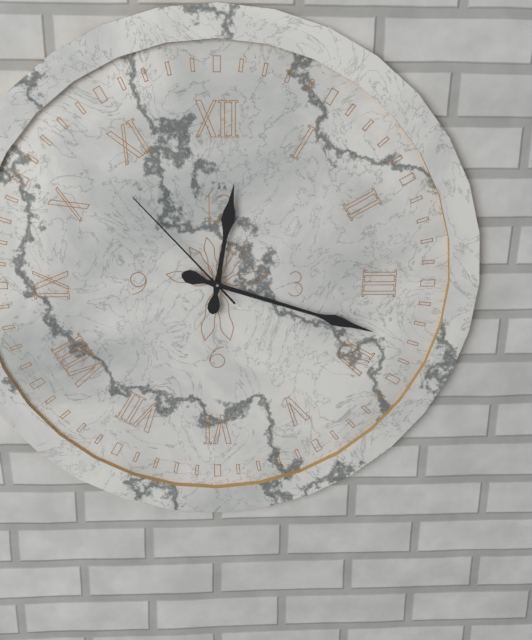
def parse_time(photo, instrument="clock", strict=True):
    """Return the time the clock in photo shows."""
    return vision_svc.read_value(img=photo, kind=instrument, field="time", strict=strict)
12:18:53
